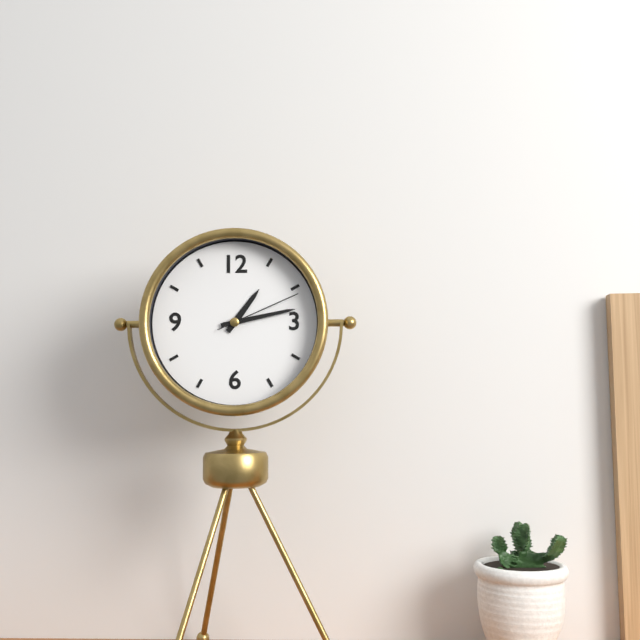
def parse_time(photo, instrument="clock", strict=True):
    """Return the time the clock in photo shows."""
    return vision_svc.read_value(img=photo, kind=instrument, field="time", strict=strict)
1:13:11
